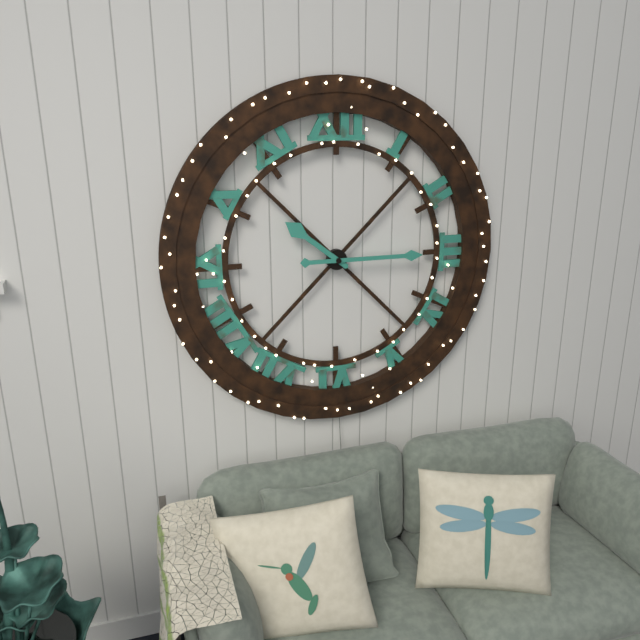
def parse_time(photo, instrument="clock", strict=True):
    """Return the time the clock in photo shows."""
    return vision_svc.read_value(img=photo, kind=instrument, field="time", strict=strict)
10:15
